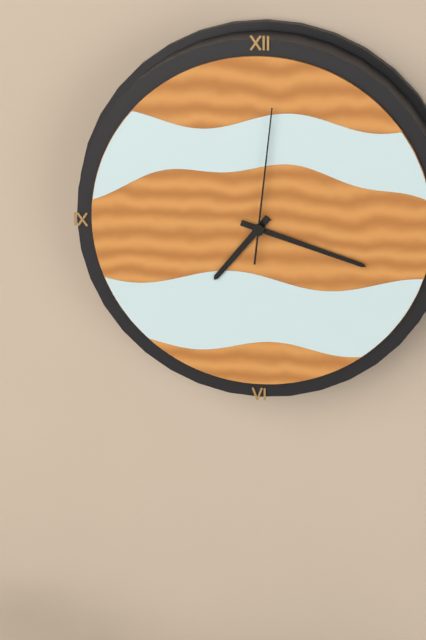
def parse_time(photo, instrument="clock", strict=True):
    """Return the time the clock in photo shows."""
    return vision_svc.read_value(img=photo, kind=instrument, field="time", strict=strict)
7:18:01
